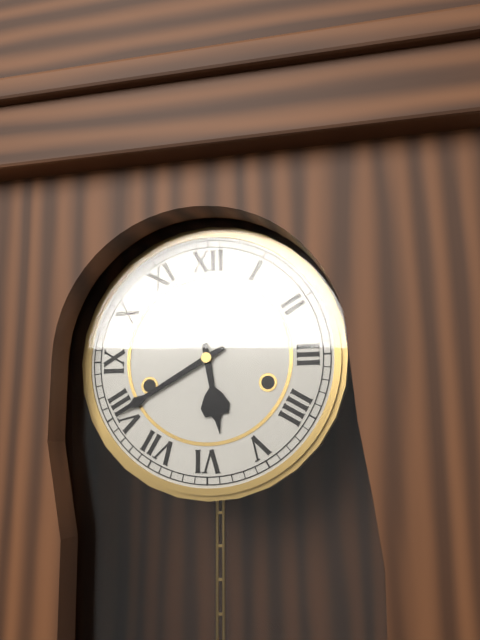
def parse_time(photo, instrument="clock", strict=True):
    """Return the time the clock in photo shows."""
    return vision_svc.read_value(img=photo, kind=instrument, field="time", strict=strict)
5:40
